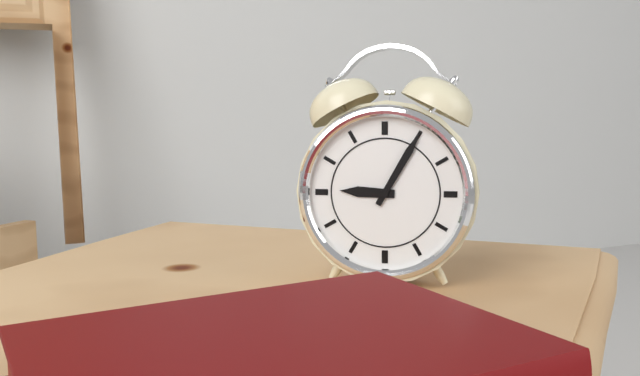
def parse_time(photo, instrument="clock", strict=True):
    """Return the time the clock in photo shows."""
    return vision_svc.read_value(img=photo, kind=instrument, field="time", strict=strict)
9:05
